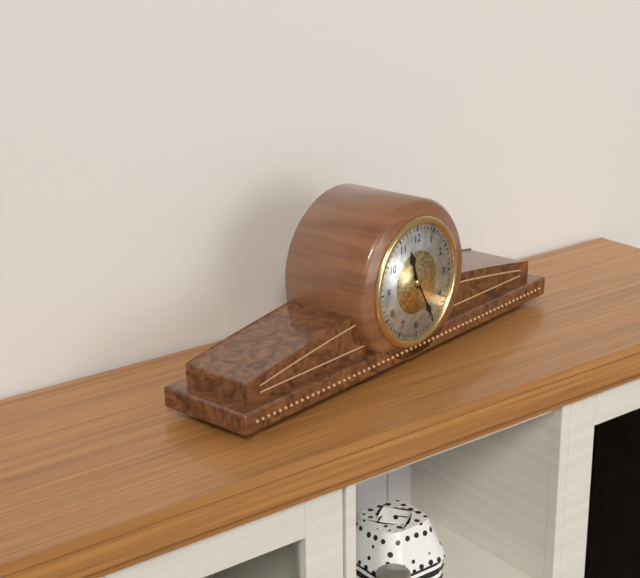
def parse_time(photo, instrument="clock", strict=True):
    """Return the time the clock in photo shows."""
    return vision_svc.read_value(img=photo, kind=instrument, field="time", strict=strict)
11:25
